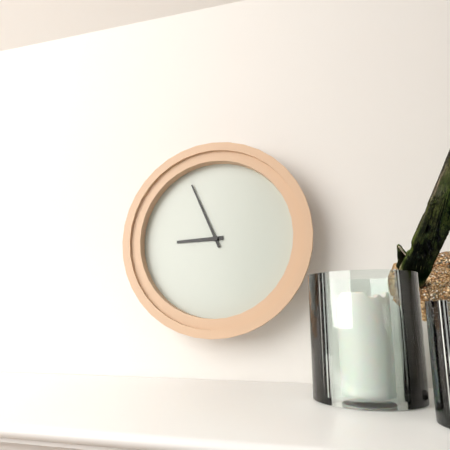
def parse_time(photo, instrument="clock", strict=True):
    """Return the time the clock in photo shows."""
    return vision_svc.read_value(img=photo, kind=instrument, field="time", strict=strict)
8:56
